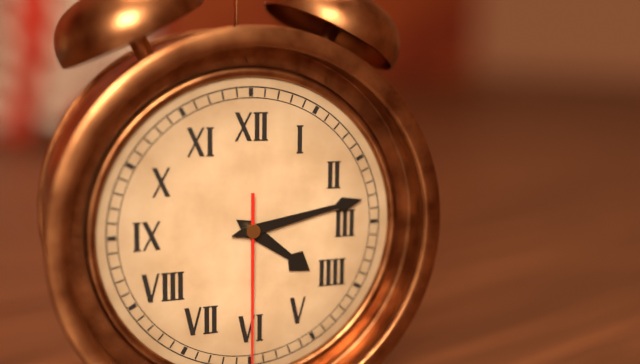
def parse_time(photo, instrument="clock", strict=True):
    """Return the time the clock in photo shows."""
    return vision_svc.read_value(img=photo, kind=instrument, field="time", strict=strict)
4:13
